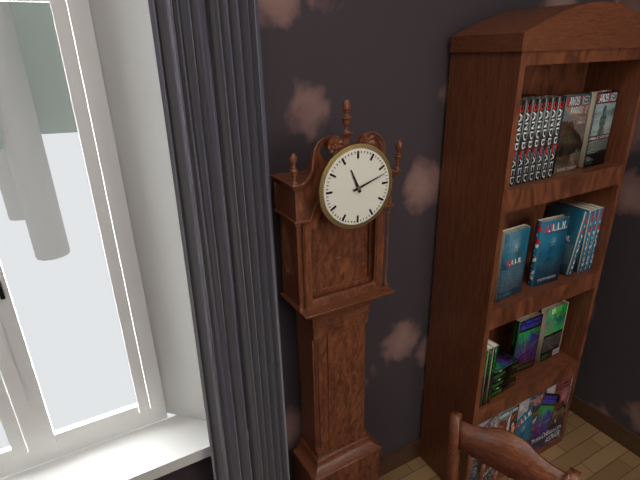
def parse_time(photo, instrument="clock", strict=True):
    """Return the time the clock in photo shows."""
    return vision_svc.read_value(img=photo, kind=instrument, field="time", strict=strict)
11:12
